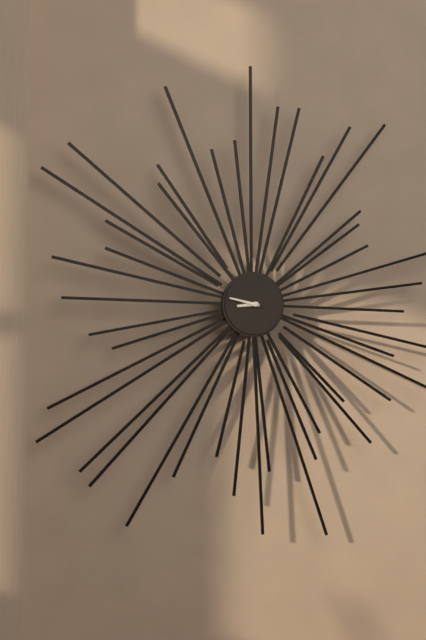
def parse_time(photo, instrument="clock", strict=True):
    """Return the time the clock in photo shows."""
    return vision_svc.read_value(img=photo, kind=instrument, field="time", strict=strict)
8:47
